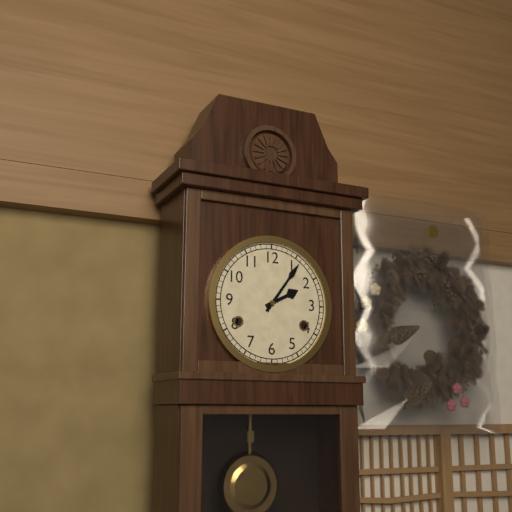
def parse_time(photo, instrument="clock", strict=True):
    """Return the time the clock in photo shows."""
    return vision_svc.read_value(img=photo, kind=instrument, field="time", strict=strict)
2:06
